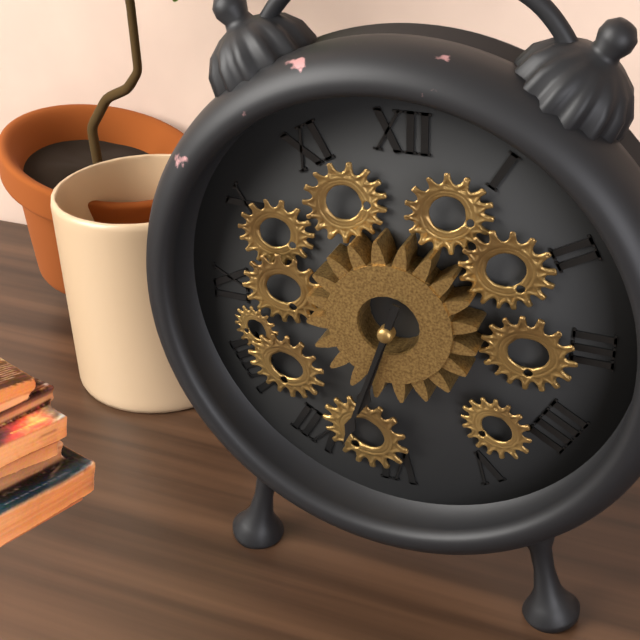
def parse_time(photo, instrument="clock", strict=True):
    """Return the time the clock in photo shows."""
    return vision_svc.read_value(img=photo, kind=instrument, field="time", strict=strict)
6:33
